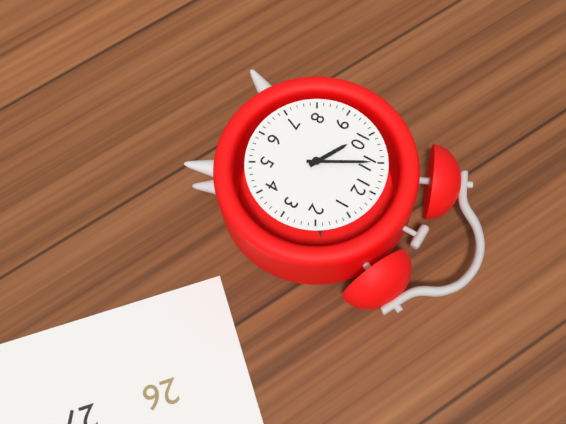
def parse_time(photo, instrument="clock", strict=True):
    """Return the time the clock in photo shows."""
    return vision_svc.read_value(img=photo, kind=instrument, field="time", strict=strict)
9:55
